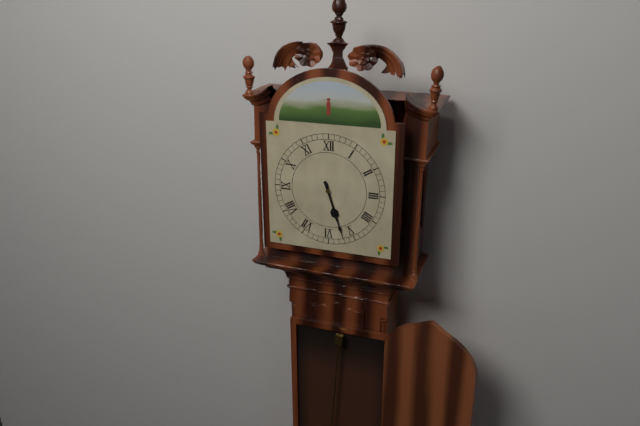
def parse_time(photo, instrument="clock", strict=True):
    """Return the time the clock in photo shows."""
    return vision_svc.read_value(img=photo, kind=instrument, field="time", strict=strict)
5:27
